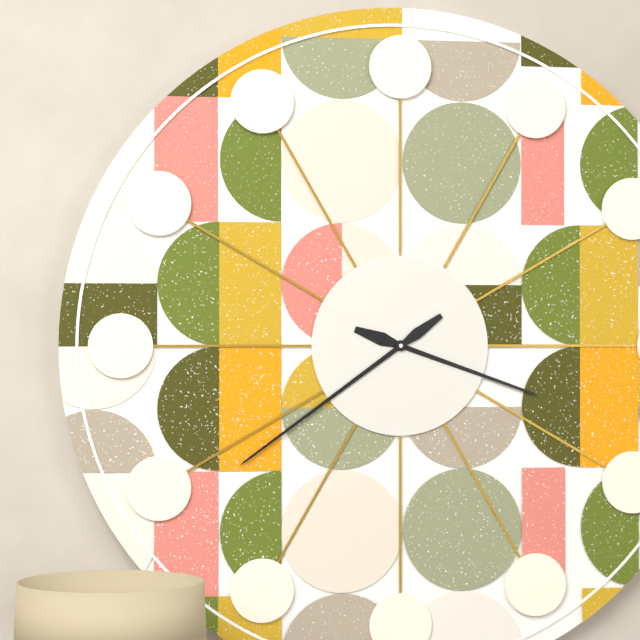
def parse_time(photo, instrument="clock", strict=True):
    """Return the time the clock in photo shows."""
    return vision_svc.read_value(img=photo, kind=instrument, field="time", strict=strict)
3:39
